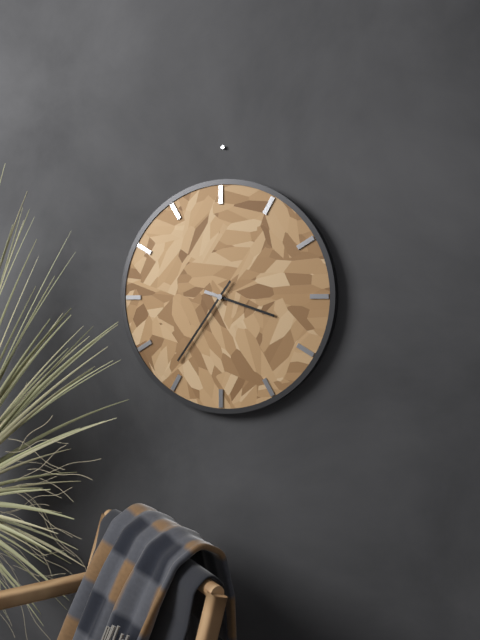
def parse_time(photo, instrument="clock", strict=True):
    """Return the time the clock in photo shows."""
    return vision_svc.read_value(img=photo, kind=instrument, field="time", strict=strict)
3:36
